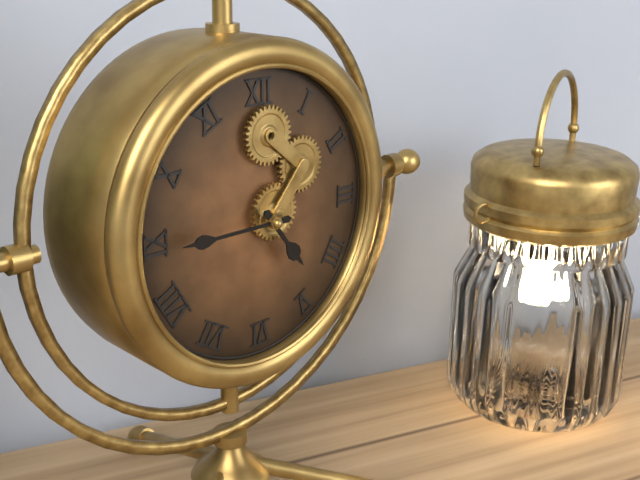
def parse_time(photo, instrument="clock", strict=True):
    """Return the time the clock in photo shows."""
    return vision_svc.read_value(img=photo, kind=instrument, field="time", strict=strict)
4:45
